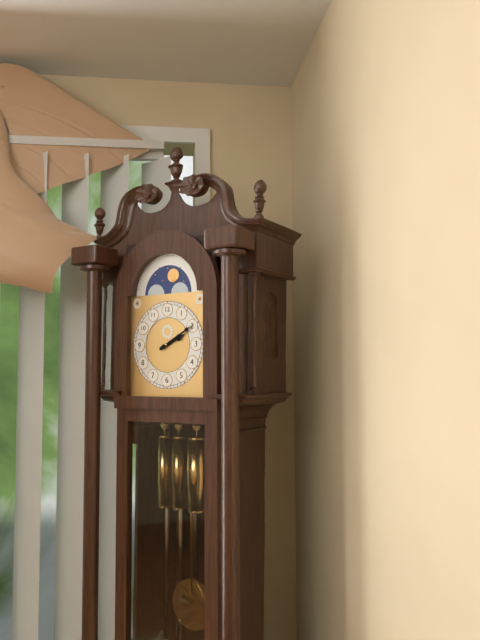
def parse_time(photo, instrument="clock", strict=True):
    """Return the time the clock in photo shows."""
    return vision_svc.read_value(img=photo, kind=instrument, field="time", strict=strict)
2:10
